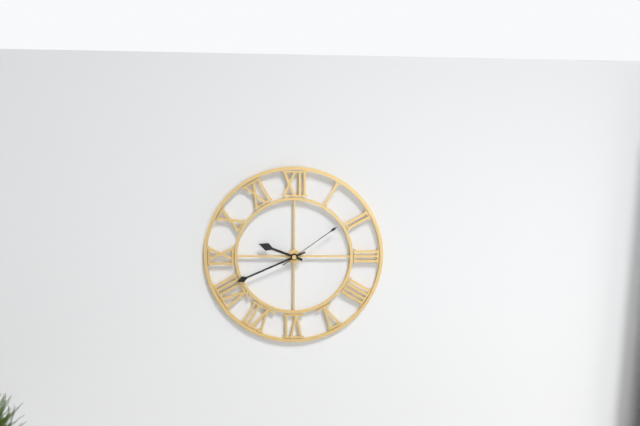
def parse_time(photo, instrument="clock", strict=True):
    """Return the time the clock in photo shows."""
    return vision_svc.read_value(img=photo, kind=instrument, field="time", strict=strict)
9:41:09
